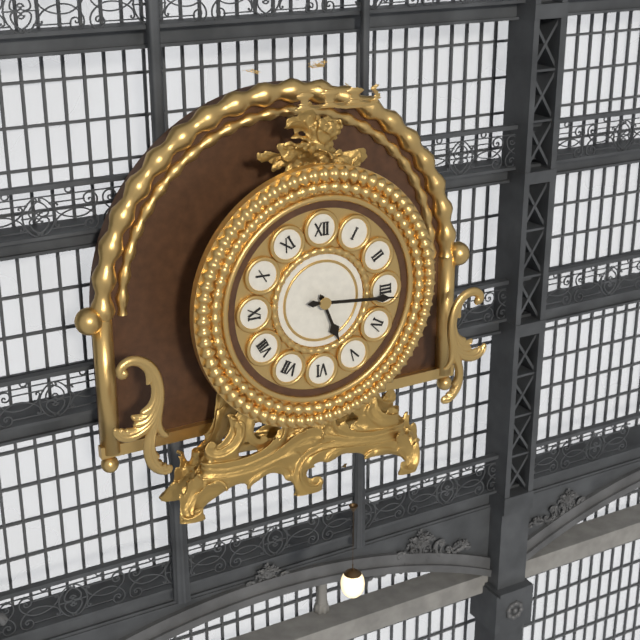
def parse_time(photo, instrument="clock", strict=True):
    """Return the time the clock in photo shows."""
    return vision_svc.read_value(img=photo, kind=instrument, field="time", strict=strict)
5:16
